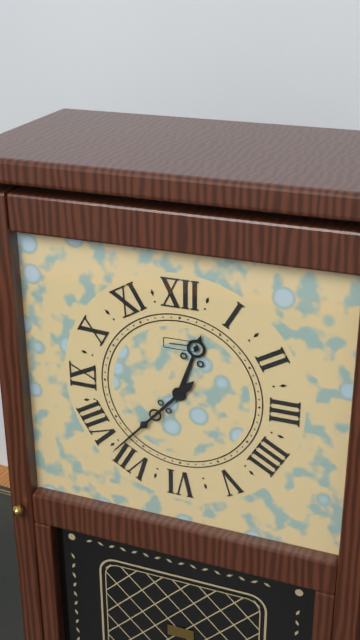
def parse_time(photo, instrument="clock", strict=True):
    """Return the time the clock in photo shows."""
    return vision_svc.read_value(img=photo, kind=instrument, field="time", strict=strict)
12:37
